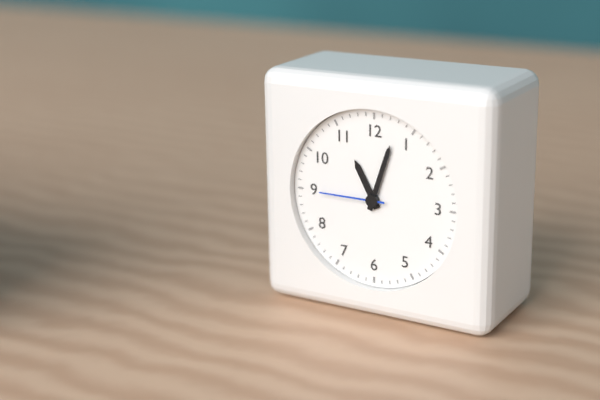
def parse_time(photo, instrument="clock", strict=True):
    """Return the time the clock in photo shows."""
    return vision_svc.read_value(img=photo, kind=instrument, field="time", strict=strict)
11:03:45
